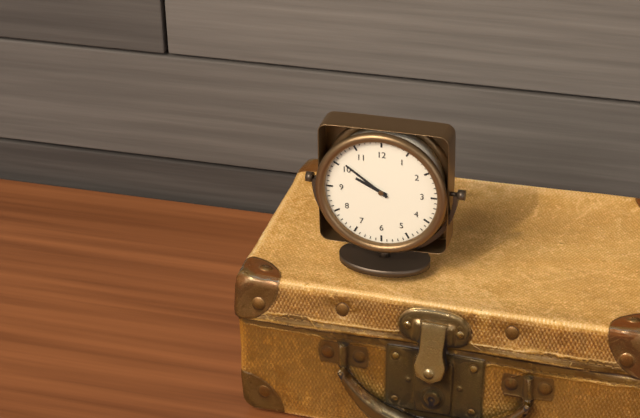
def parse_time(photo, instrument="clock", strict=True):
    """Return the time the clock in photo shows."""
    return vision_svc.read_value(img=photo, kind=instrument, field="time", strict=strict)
9:51
